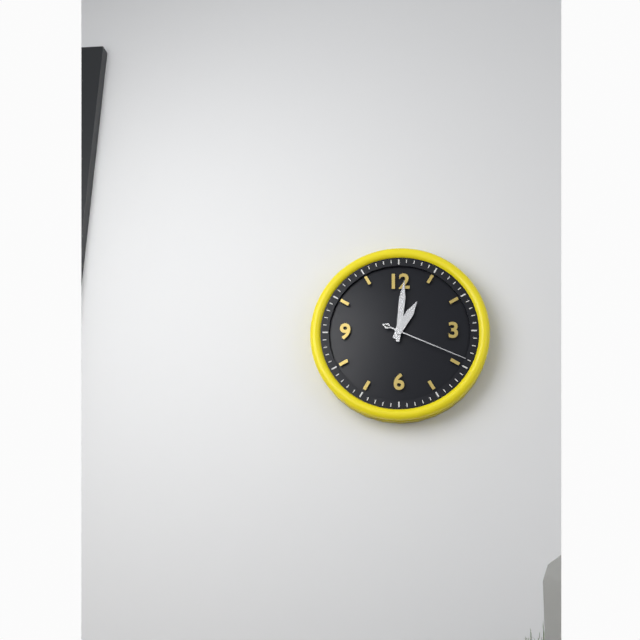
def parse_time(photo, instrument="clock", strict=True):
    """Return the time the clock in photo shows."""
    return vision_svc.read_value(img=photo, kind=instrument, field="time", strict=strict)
1:01:19
